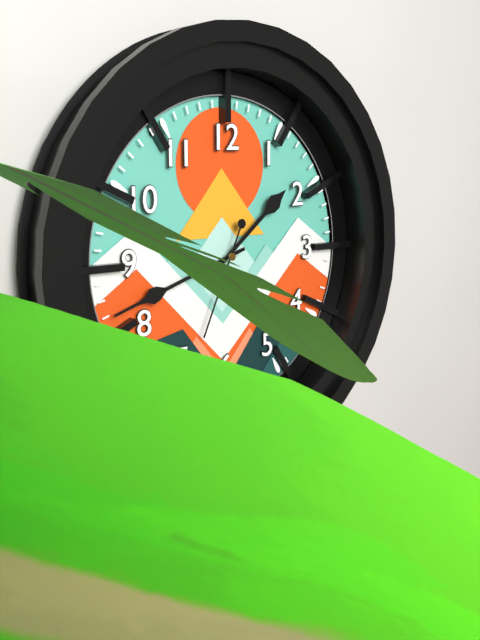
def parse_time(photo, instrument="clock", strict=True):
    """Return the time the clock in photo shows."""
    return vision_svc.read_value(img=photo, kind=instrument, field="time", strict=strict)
1:42:34
